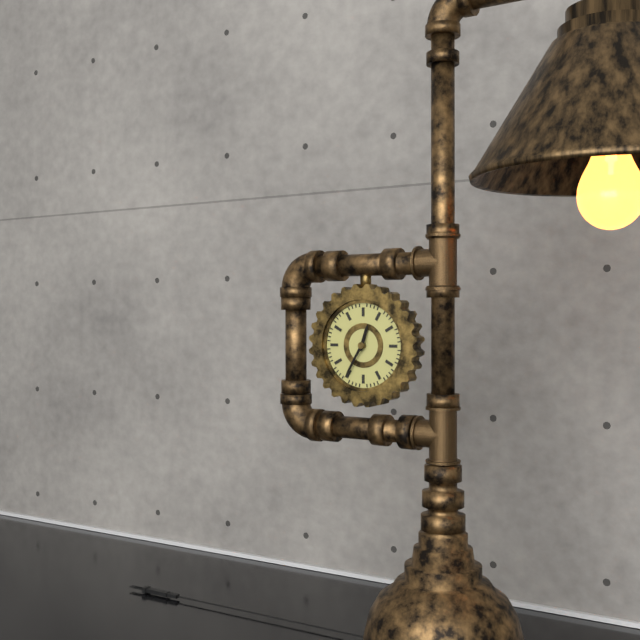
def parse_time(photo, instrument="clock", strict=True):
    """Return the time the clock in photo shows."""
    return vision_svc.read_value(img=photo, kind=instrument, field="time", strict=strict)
12:35
